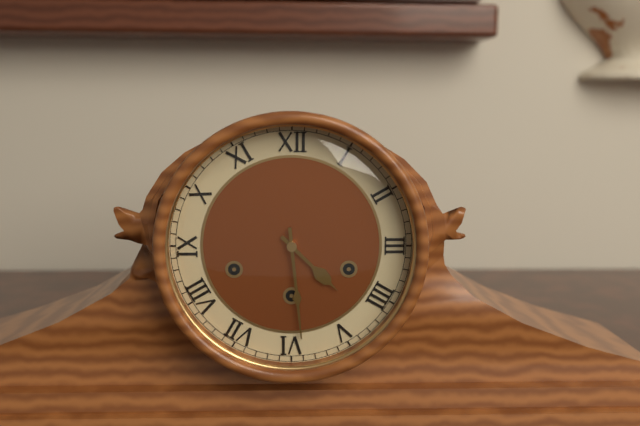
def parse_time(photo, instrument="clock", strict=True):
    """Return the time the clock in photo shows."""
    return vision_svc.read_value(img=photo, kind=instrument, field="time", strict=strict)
4:29
